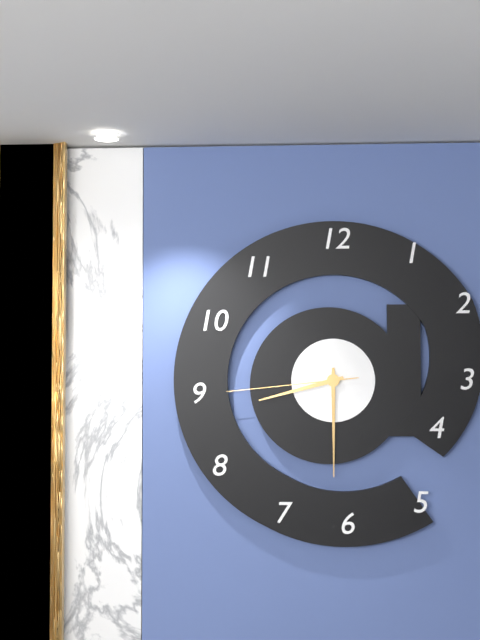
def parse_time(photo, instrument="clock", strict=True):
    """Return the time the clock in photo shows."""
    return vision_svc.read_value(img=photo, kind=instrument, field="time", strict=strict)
8:30:44
